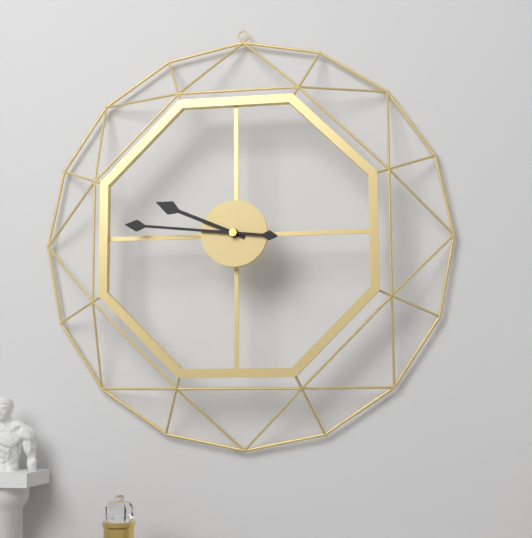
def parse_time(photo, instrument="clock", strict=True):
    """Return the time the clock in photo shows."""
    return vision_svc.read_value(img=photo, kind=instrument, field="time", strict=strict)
9:46
